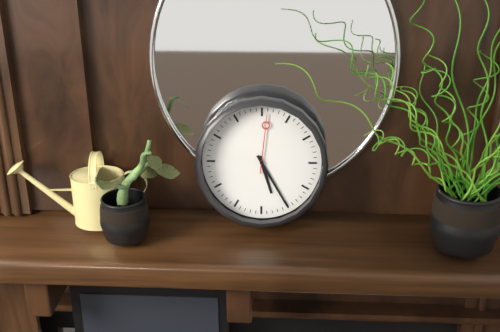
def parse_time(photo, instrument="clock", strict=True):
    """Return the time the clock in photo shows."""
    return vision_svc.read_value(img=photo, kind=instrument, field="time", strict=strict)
5:25:01
